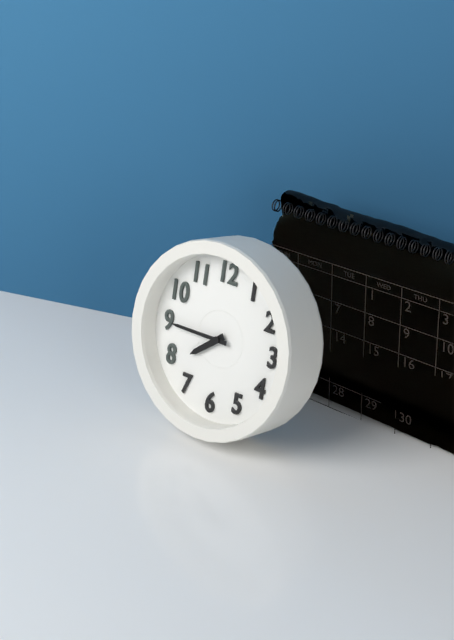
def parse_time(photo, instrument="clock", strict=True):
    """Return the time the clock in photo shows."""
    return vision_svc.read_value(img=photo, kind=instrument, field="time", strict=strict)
7:45
